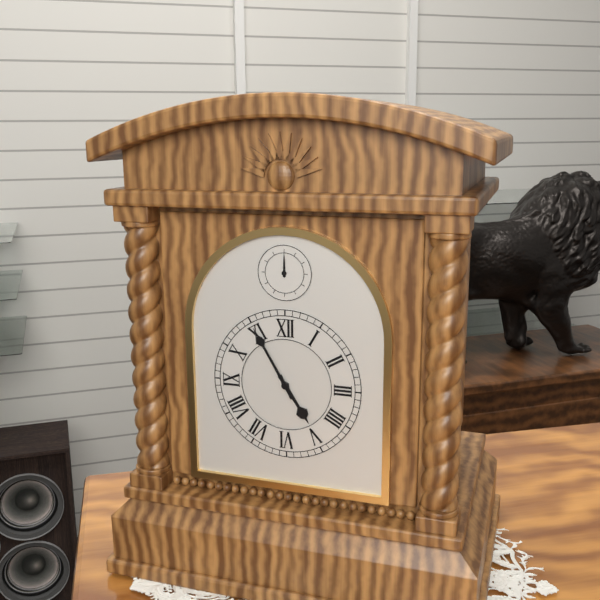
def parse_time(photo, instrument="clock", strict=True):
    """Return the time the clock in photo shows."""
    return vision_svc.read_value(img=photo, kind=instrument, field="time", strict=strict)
4:55
